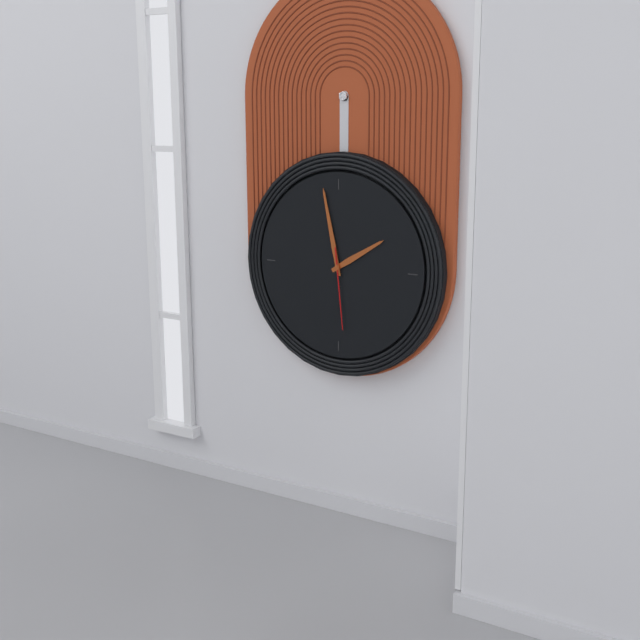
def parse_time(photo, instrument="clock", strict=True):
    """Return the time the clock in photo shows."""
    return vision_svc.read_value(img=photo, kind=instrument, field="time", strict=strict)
1:58:29
